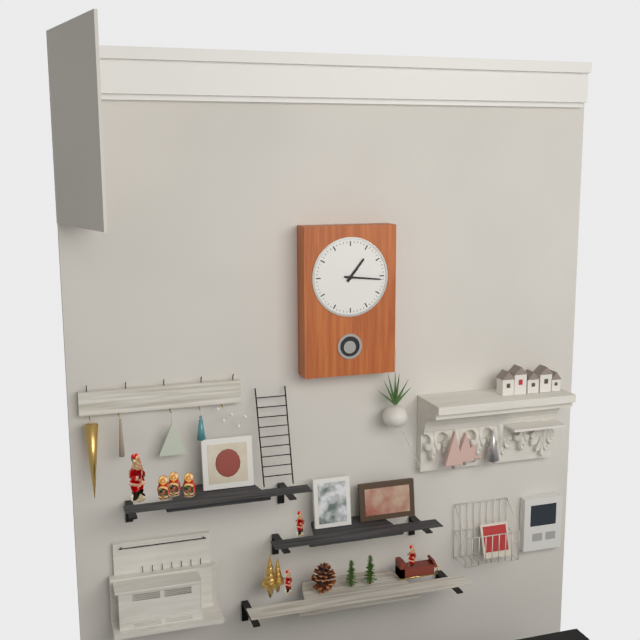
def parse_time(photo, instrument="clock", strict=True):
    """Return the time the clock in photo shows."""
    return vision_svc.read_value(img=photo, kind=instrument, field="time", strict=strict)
1:16
